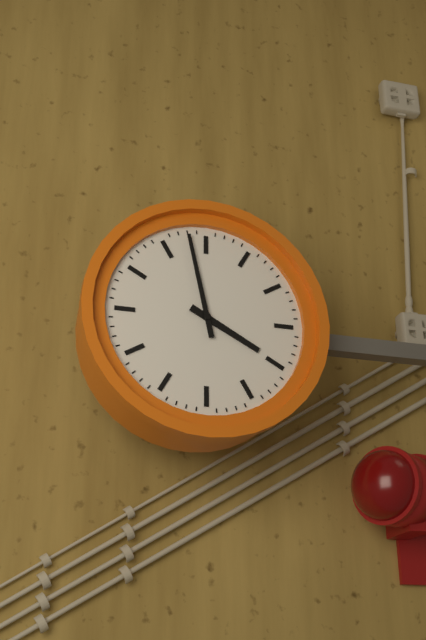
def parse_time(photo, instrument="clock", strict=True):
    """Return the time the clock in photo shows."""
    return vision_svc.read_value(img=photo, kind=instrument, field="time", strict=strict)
3:58
